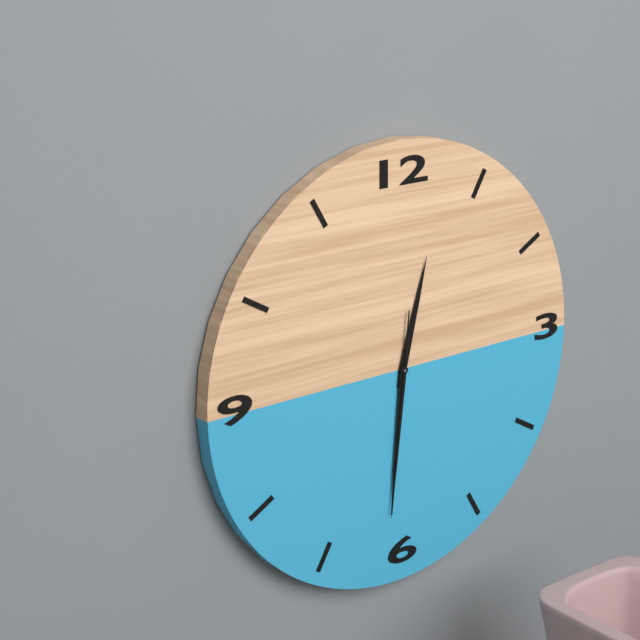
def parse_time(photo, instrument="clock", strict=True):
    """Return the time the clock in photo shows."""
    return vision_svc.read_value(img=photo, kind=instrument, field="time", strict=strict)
12:31:31
